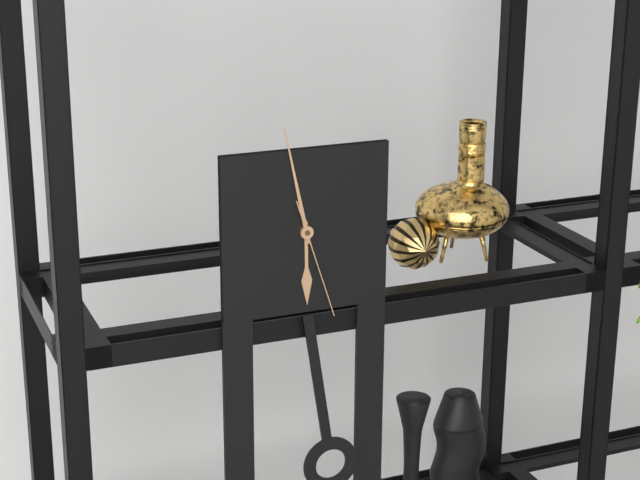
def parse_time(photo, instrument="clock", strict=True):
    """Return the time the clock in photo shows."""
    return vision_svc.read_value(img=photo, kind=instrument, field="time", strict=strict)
5:58:27
